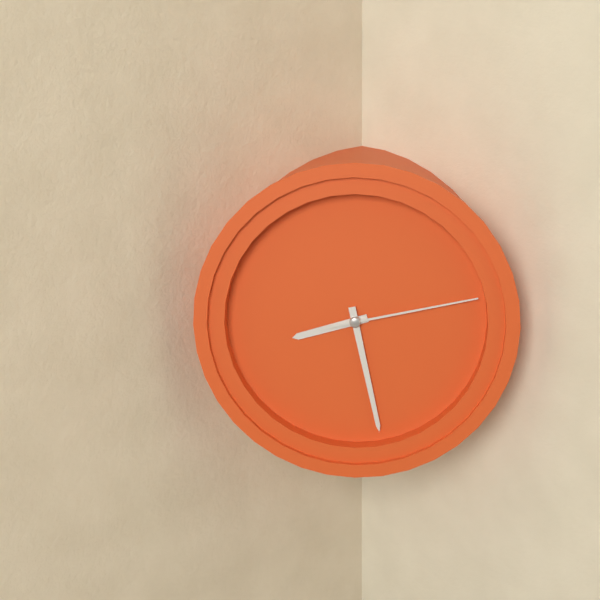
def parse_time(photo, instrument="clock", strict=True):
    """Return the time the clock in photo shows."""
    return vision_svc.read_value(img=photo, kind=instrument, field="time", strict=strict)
8:28:13
